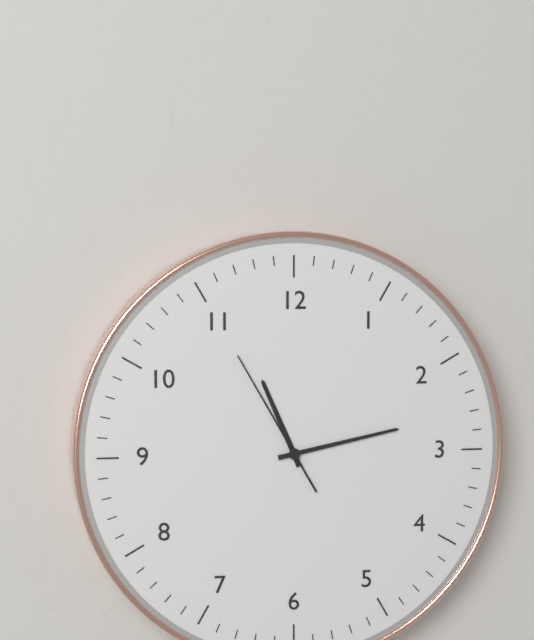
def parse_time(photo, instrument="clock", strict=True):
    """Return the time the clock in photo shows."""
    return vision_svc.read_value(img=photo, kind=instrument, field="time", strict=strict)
11:13:55
